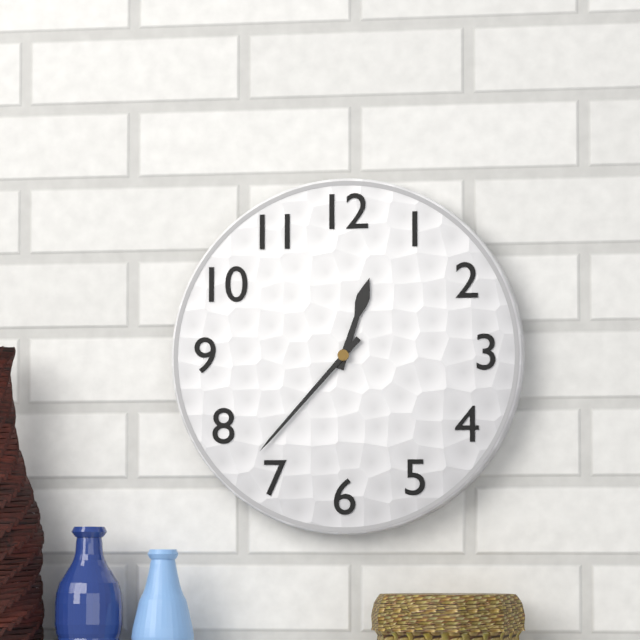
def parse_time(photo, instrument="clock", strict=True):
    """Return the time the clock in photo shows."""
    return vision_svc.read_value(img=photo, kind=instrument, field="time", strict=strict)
12:37
